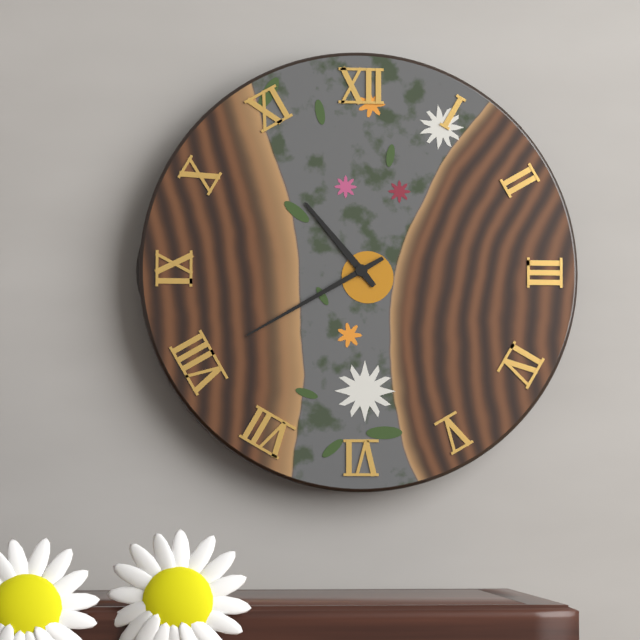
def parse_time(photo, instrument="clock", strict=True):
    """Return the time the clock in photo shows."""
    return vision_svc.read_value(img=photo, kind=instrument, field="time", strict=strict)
10:40
